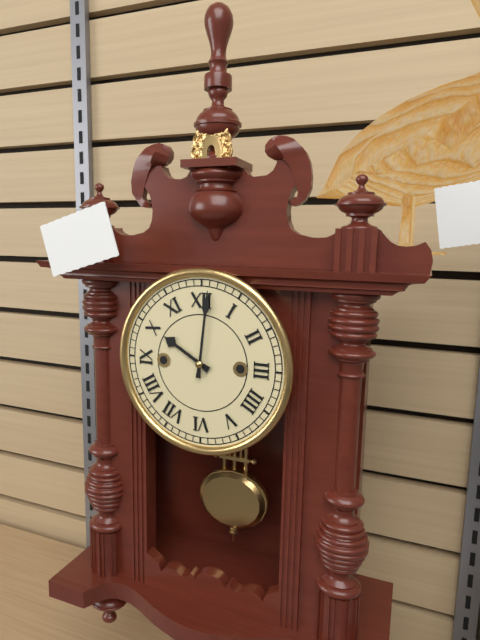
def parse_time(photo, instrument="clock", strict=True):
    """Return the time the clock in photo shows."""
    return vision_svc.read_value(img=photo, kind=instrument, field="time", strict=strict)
10:01
